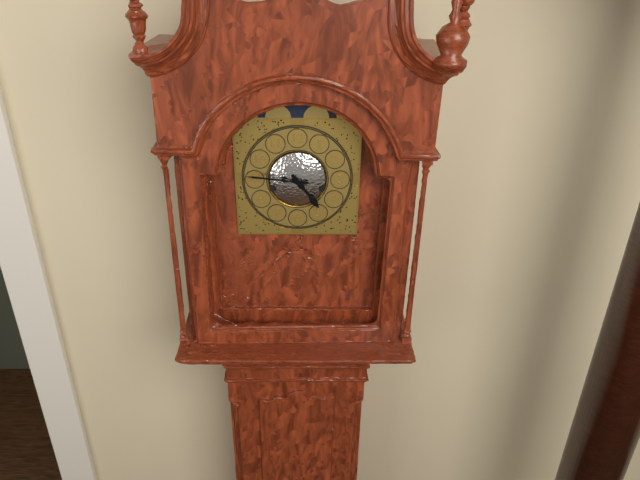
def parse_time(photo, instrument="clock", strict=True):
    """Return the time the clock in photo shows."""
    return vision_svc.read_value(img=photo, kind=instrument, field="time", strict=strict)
4:46
